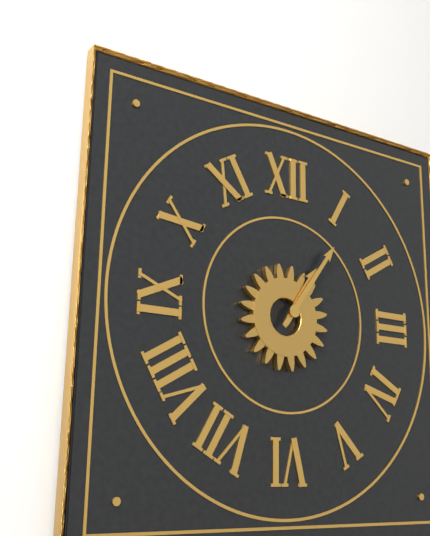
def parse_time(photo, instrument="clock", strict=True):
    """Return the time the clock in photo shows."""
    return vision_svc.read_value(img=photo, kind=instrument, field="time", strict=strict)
1:06
